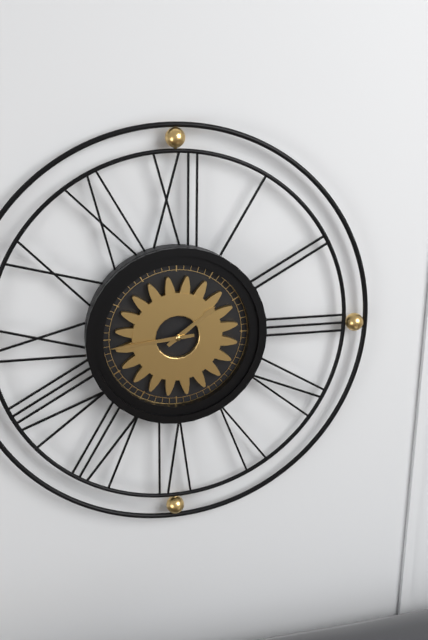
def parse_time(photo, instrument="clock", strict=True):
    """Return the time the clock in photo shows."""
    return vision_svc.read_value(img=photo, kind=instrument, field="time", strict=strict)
1:44
